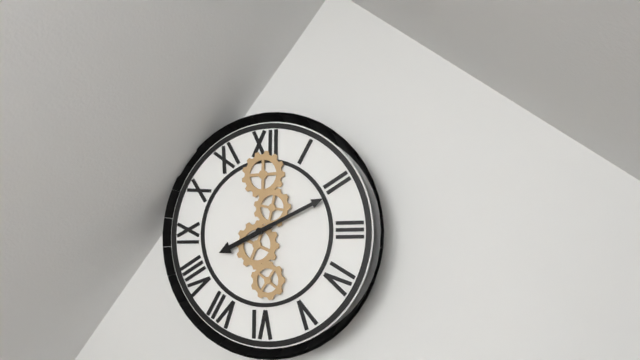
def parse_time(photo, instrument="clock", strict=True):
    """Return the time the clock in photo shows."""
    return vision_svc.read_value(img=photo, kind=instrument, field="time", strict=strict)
8:11
